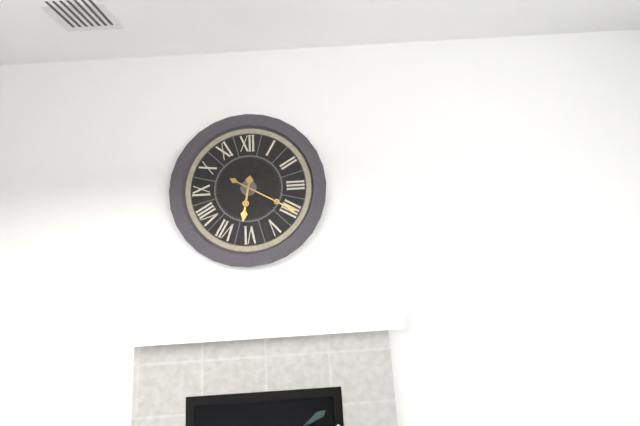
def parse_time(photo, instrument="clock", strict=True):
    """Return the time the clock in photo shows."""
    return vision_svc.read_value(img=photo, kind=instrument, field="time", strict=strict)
6:20
